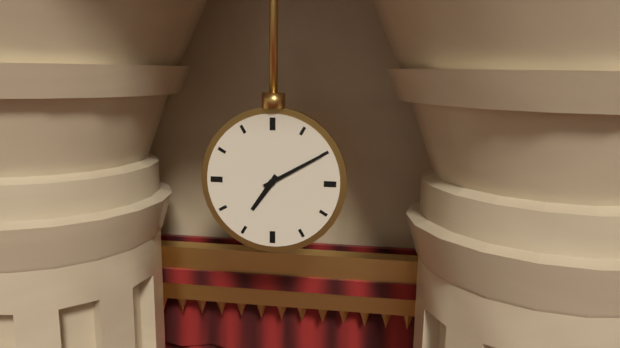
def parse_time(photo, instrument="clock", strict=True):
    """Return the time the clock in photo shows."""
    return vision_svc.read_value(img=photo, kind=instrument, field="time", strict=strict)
7:10
